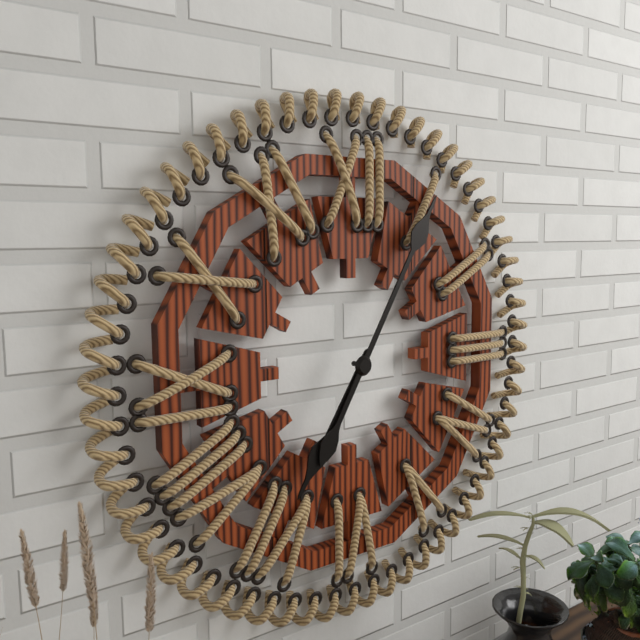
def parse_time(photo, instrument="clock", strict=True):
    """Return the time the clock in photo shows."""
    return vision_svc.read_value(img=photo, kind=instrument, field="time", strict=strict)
7:05
